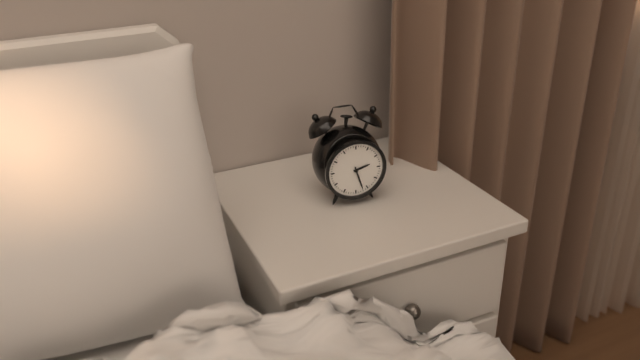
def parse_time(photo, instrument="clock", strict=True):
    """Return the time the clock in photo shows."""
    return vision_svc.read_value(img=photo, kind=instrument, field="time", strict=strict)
2:27
